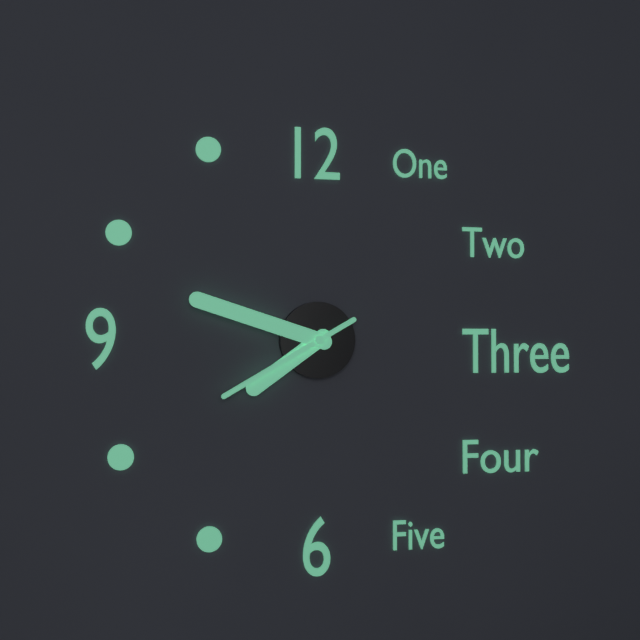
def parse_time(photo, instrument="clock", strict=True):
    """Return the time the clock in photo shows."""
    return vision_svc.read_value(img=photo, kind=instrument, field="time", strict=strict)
7:48:40
